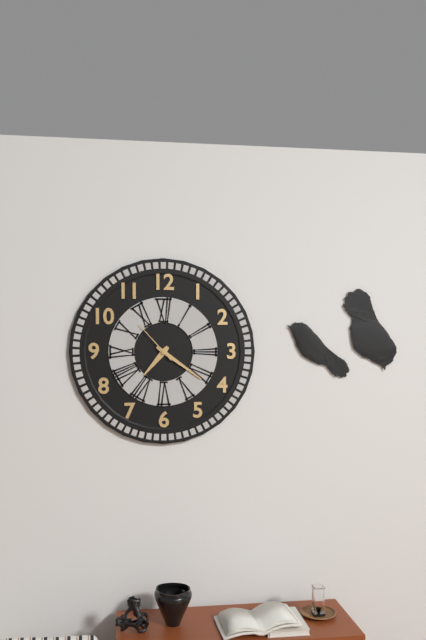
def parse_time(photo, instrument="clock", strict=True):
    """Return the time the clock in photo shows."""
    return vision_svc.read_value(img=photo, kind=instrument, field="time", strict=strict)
7:21
